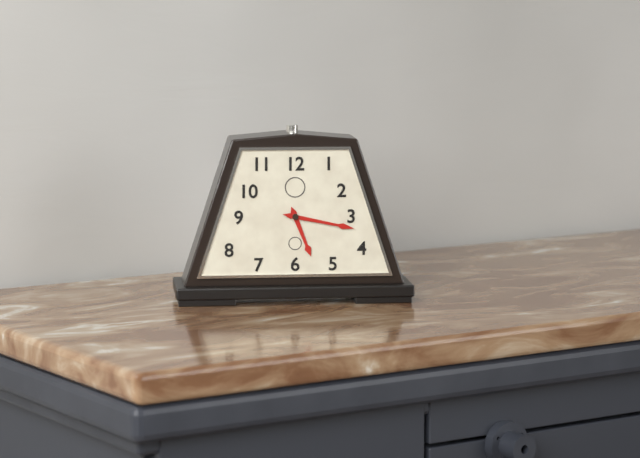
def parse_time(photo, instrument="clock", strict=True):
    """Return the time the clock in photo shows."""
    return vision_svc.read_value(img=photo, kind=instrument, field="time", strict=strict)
5:17
